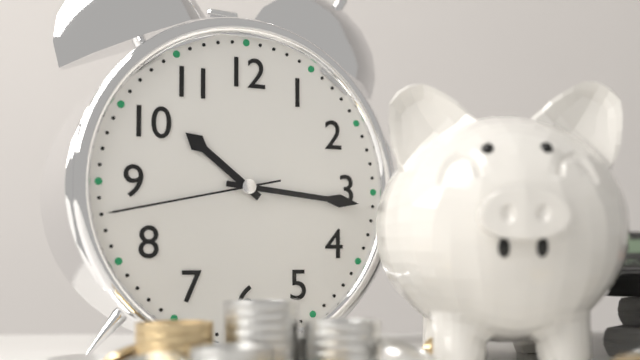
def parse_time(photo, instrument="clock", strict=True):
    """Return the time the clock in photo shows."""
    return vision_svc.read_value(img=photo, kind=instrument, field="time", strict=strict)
10:16:43
